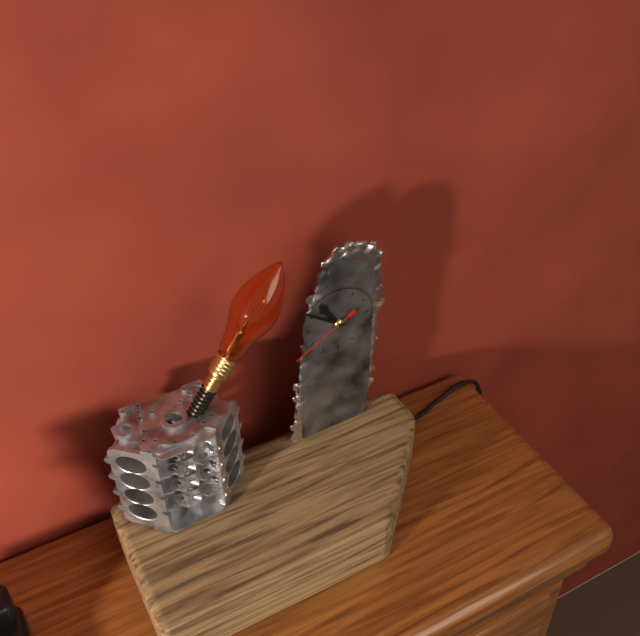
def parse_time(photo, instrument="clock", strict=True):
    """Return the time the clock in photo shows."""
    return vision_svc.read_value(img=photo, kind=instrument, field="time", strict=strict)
10:51:40
